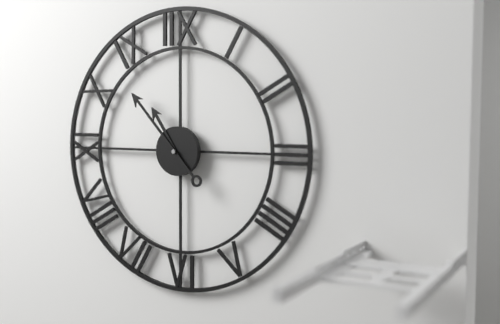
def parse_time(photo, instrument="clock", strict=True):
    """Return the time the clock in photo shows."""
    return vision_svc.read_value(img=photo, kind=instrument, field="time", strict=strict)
10:53
